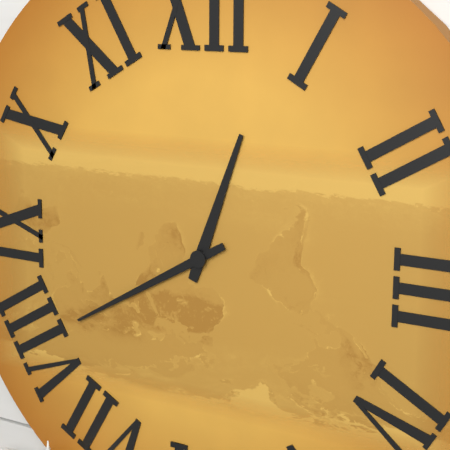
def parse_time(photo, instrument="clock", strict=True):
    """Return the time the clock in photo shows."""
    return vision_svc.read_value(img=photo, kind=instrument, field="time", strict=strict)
12:40
